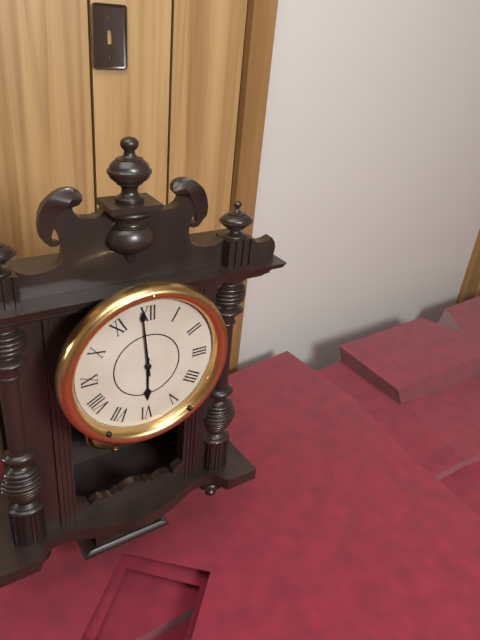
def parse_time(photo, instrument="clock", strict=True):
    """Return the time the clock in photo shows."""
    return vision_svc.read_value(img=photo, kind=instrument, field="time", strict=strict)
5:59
